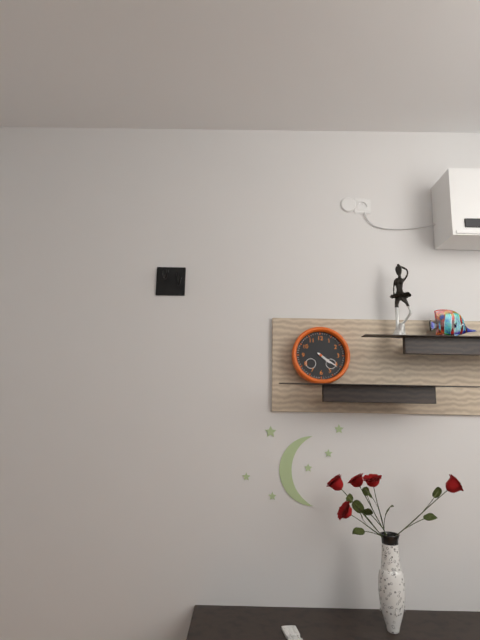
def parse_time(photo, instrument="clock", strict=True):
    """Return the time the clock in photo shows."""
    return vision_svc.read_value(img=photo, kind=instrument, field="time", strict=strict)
4:21
